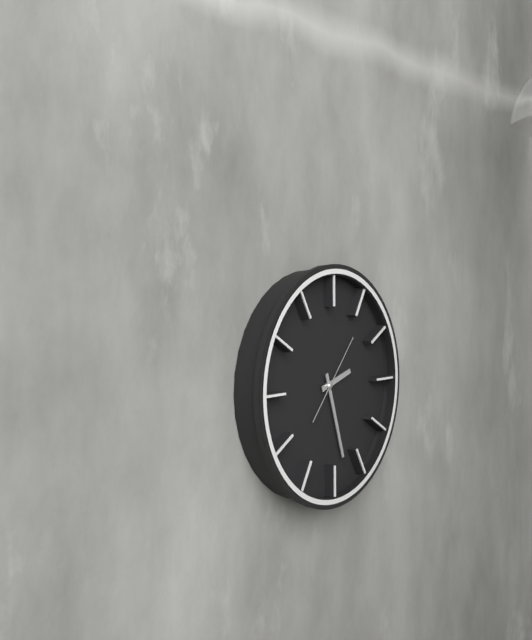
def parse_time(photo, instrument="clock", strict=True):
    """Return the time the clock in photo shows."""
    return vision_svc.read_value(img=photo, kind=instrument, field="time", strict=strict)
2:27:07
